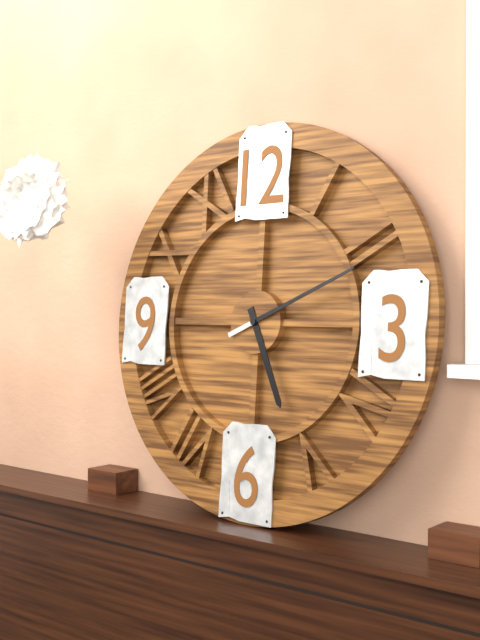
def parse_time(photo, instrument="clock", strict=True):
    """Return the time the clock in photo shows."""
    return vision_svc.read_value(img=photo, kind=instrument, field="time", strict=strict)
5:11
